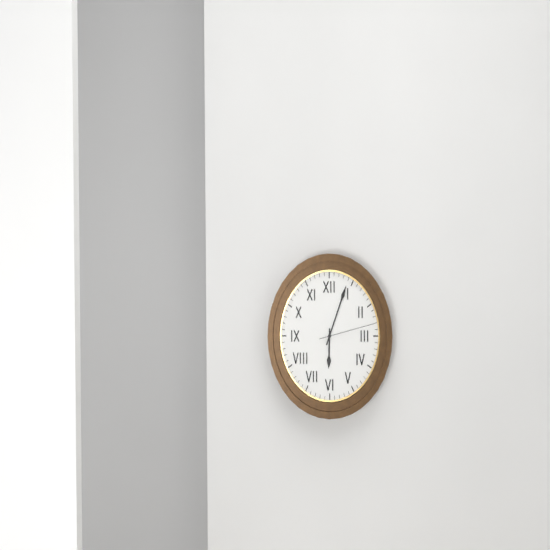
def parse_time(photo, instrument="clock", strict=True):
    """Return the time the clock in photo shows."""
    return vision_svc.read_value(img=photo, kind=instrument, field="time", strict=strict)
6:04:13
